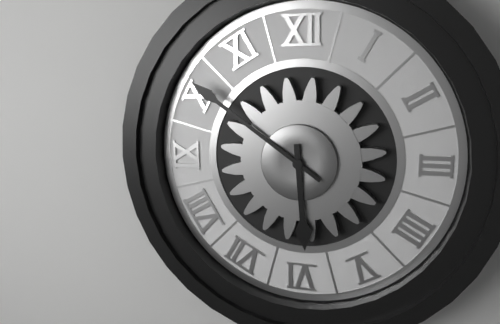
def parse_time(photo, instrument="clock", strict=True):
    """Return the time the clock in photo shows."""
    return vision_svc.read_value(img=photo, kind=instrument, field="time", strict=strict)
5:51
